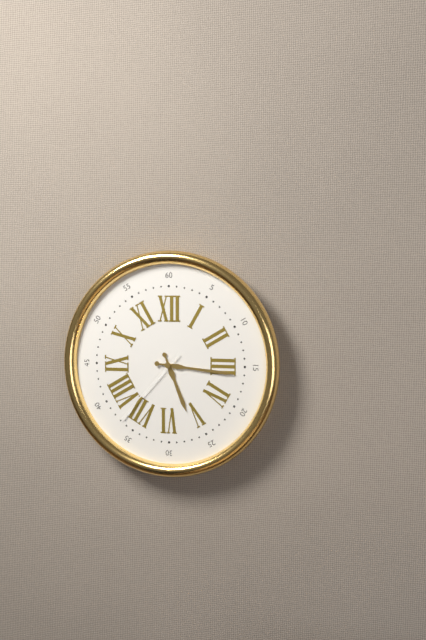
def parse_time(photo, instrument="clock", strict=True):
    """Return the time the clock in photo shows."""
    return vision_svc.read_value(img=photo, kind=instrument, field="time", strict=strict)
5:16:37
